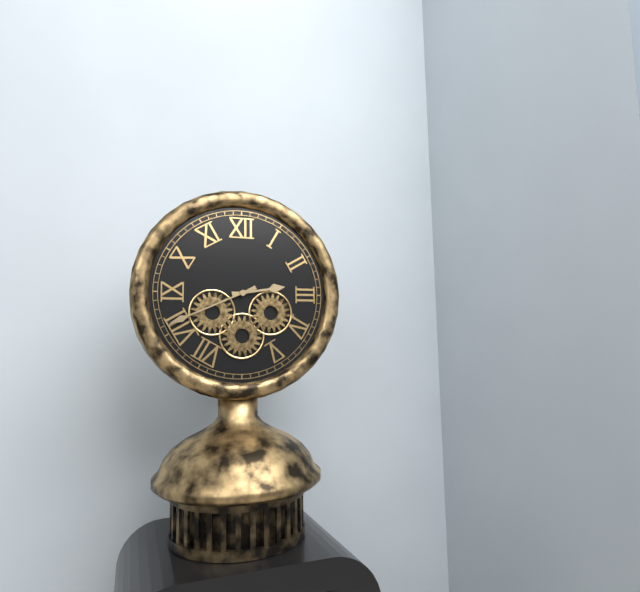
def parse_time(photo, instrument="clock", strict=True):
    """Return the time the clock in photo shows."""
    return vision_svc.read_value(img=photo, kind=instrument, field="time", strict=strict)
2:41
